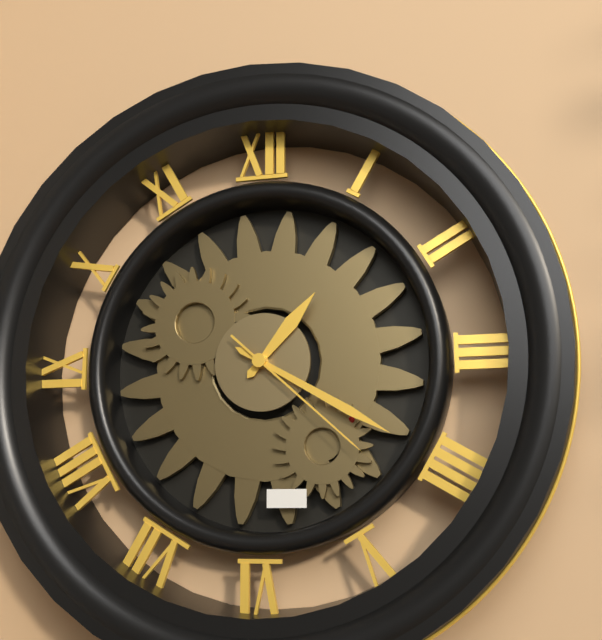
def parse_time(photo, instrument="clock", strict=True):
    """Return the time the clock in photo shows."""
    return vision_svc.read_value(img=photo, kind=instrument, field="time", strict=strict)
1:20:22
